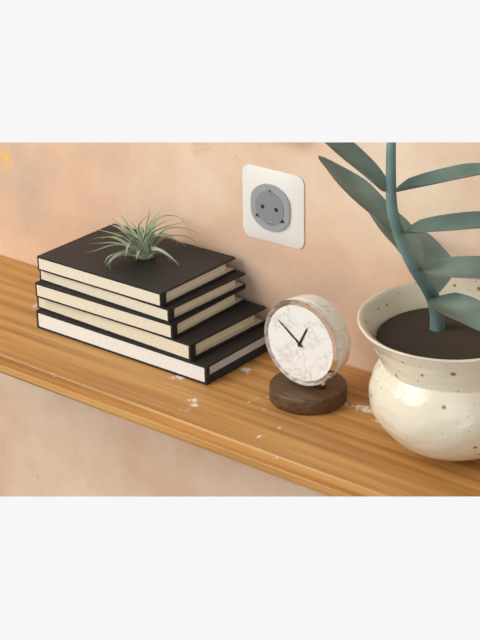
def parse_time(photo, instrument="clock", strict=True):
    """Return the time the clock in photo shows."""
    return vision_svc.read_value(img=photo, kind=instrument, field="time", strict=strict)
12:51
